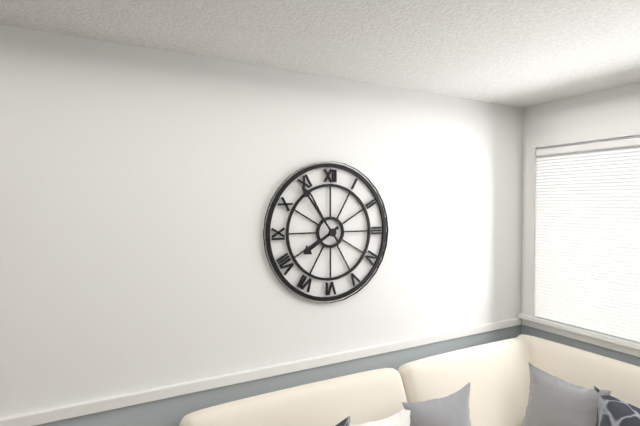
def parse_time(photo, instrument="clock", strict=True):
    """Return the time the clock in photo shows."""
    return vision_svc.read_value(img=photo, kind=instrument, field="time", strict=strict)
7:54
